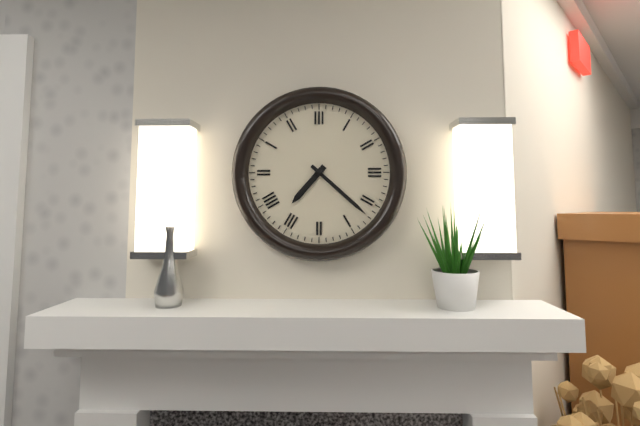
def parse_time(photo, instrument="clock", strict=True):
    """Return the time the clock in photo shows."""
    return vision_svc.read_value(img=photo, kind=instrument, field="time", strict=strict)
7:22
